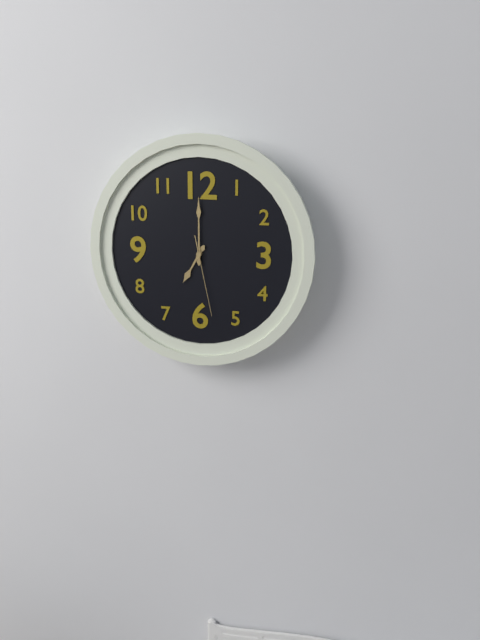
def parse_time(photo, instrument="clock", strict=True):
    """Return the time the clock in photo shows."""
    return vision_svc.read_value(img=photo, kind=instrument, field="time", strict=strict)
7:00:28
